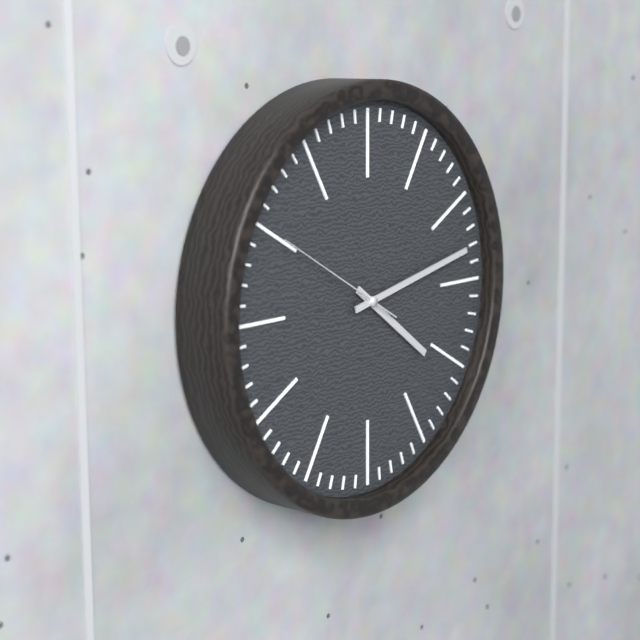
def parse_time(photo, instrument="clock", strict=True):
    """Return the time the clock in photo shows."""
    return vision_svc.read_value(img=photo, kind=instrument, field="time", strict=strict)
4:13:50
